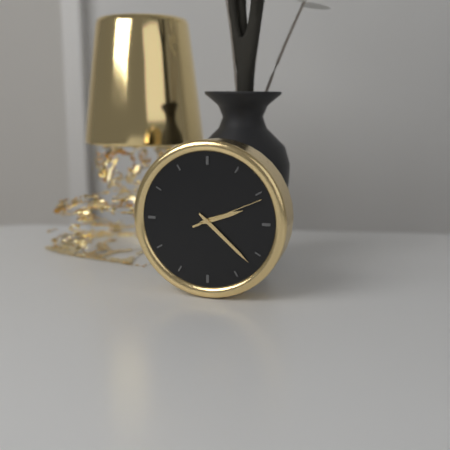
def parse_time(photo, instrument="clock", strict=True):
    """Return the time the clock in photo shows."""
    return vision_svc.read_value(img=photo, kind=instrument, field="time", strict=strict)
2:22:11
